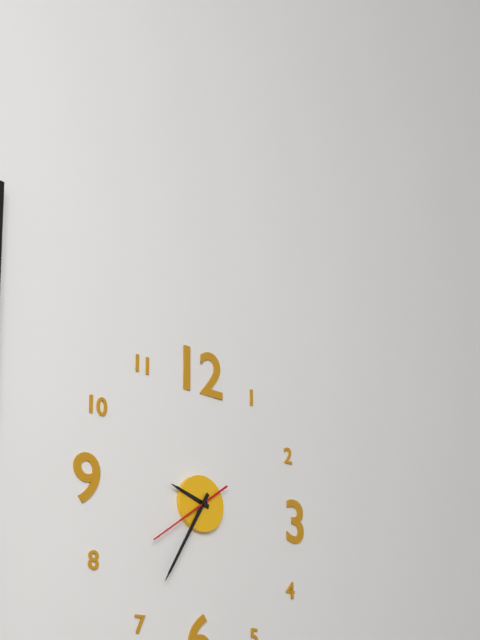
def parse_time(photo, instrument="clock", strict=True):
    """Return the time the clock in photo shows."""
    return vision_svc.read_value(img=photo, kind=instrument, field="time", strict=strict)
9:35:39
